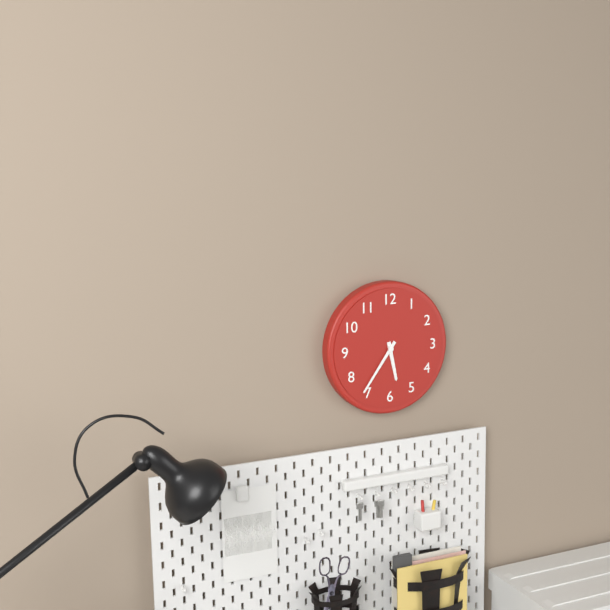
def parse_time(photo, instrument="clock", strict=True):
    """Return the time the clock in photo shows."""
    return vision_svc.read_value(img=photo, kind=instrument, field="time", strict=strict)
5:36
